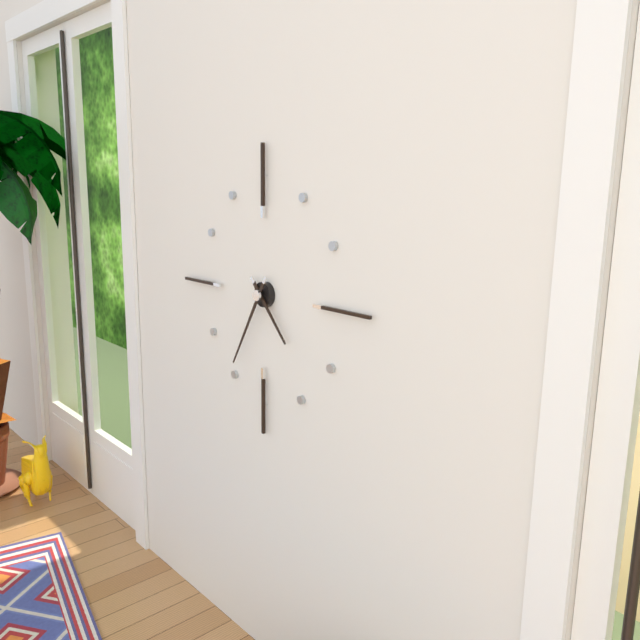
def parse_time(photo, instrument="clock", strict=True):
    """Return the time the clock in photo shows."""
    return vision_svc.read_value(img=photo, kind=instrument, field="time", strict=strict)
4:35
